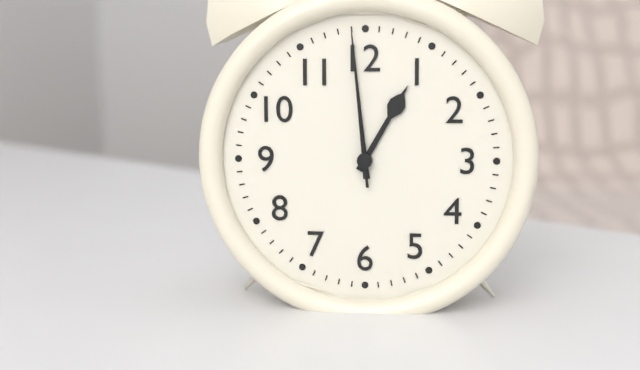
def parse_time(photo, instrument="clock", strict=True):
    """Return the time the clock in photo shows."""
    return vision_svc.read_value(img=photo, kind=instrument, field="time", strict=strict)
12:59:59
